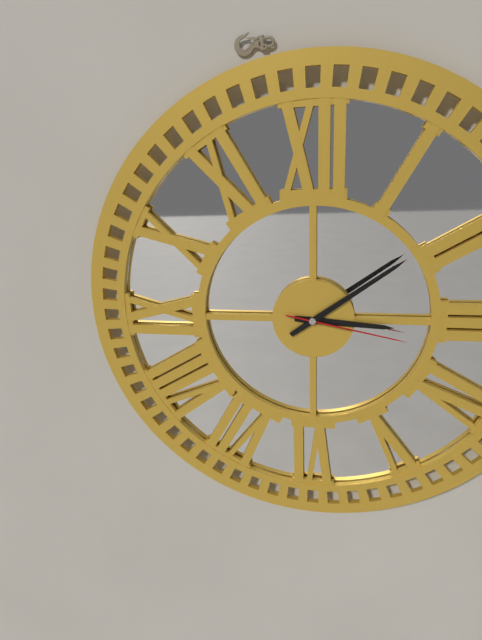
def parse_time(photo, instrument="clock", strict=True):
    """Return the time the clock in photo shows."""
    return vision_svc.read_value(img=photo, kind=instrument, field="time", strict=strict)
3:09:17
